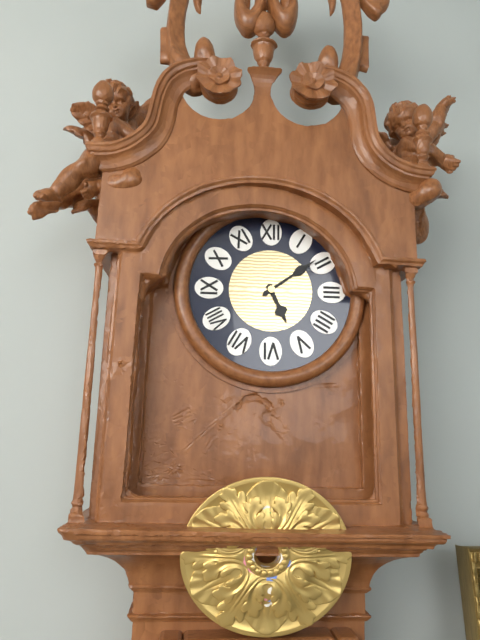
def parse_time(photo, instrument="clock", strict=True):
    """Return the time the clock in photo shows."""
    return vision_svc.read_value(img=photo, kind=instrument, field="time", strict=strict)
5:09
